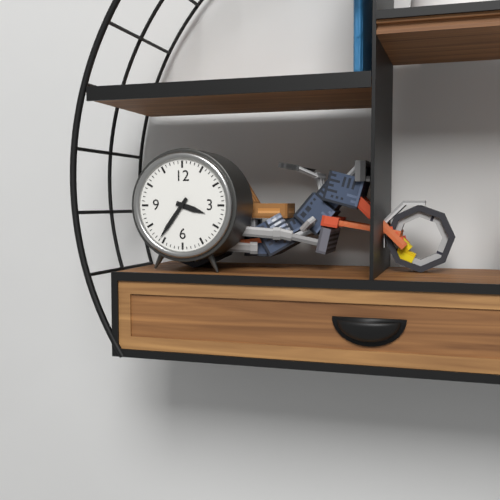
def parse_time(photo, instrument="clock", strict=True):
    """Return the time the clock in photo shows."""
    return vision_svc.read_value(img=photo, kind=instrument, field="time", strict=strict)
3:36
